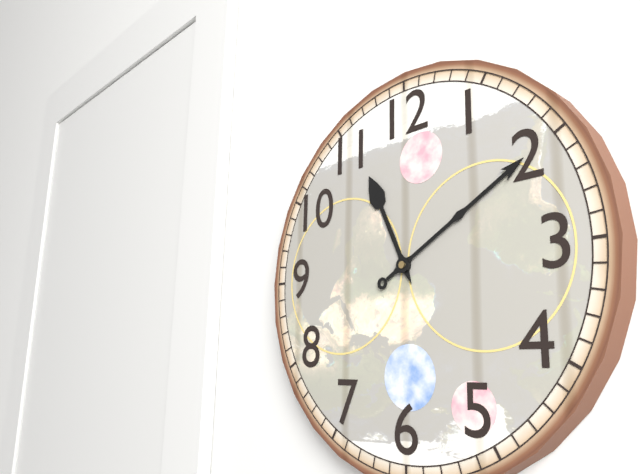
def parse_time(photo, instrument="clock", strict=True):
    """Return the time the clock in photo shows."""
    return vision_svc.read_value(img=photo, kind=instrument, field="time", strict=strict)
11:10
